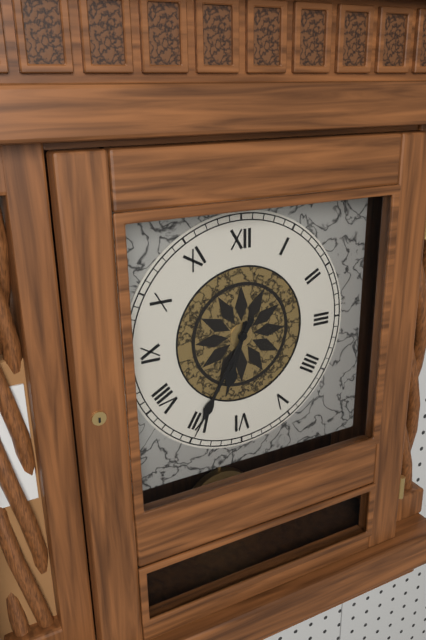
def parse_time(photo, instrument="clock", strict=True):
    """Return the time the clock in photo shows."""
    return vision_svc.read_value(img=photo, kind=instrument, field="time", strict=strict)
6:35
